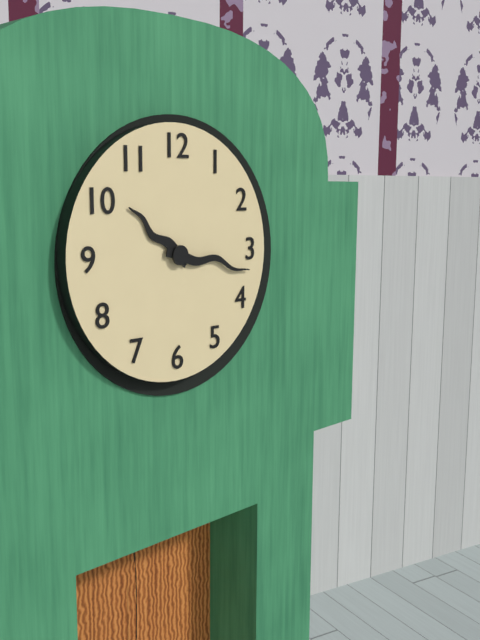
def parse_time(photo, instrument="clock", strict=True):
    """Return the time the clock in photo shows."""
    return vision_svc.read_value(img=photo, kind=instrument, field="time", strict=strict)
10:17
